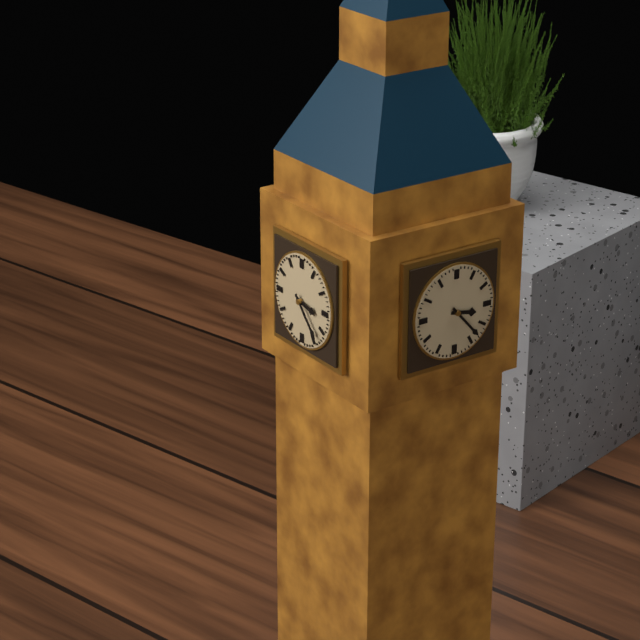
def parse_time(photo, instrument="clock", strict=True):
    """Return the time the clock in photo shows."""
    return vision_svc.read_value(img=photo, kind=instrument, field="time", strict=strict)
3:23
